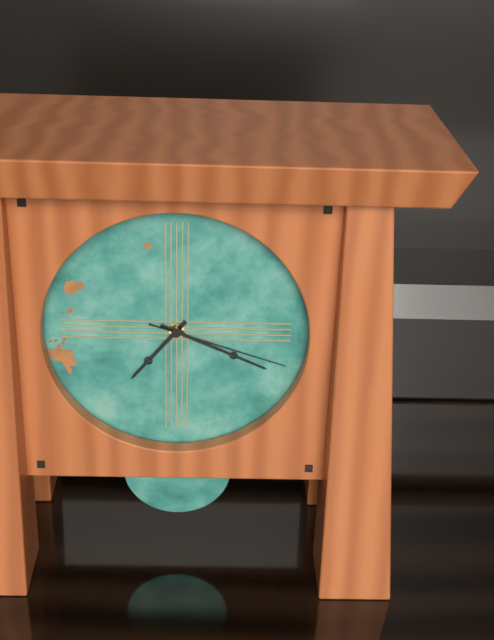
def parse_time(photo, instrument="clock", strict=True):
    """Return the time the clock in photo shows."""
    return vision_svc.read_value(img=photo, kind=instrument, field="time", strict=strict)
7:19:18
